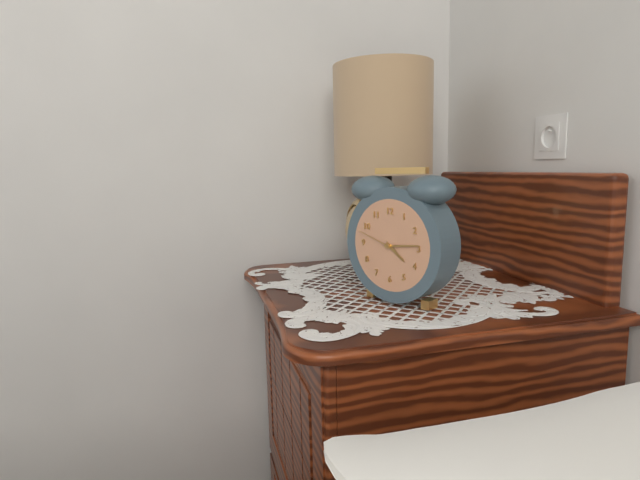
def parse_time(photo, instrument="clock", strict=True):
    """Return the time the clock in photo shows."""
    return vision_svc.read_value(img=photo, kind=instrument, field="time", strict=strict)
4:14
